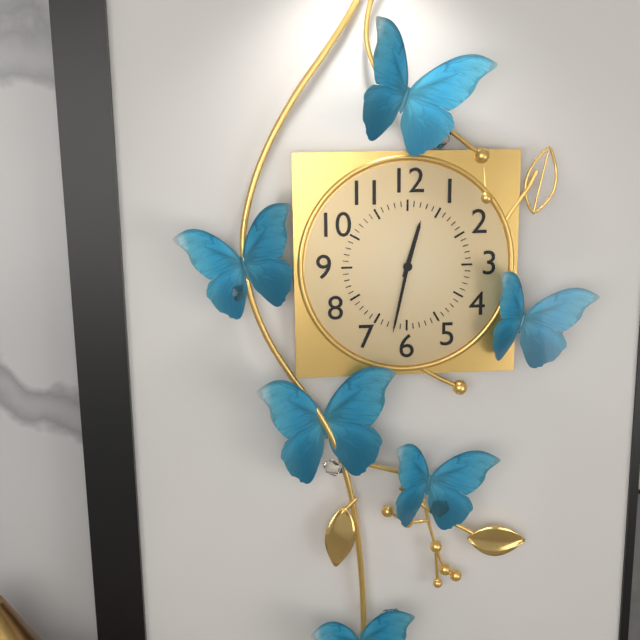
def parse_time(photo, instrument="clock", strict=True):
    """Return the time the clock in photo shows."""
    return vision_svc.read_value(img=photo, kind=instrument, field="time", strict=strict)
12:32
